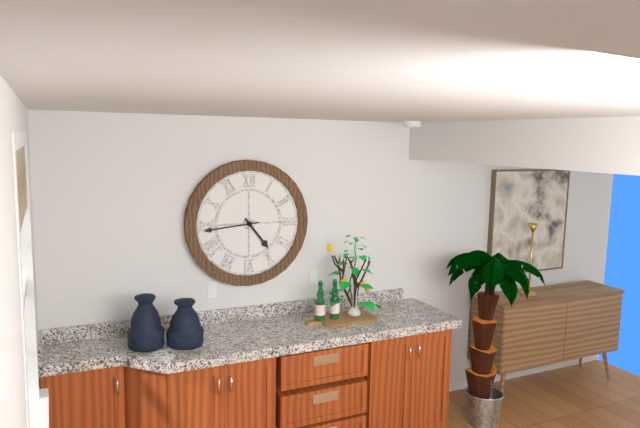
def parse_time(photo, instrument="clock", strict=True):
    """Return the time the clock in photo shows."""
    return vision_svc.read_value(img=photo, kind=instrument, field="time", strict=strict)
4:44
